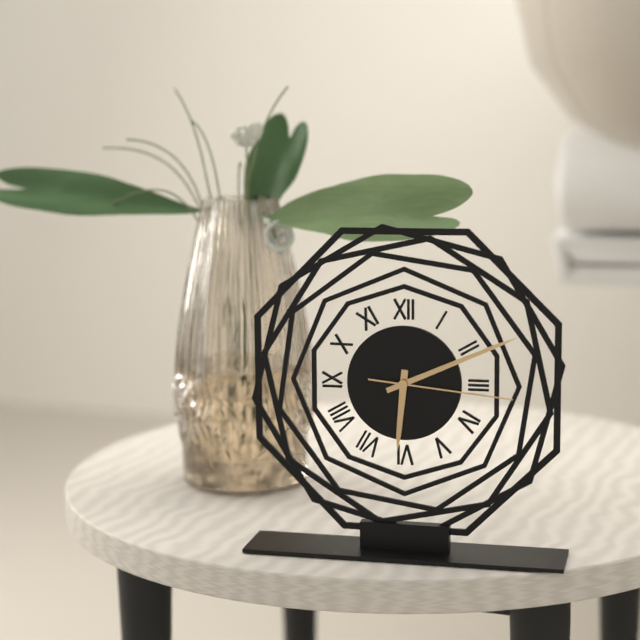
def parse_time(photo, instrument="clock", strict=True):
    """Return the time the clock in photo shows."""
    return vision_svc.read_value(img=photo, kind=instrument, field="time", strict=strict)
6:11:16
